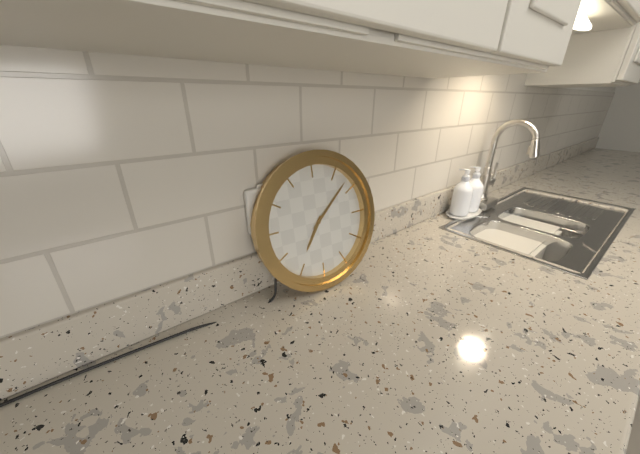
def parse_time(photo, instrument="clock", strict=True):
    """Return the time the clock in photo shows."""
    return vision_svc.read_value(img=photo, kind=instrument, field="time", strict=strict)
7:08
